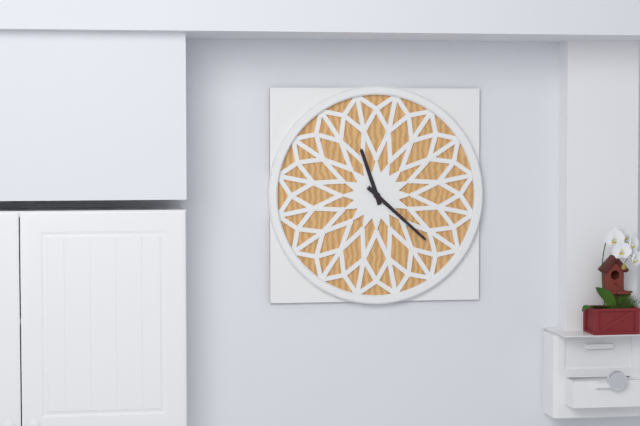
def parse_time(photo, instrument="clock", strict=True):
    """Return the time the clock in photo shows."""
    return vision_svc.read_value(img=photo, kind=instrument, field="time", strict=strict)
11:22
